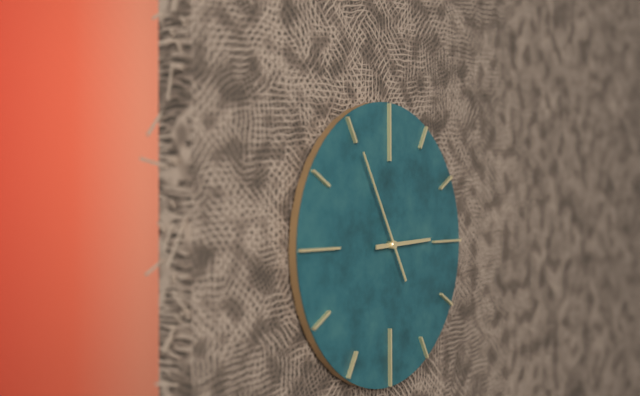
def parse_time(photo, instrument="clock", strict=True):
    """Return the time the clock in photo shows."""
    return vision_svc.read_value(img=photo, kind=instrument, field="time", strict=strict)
2:55
